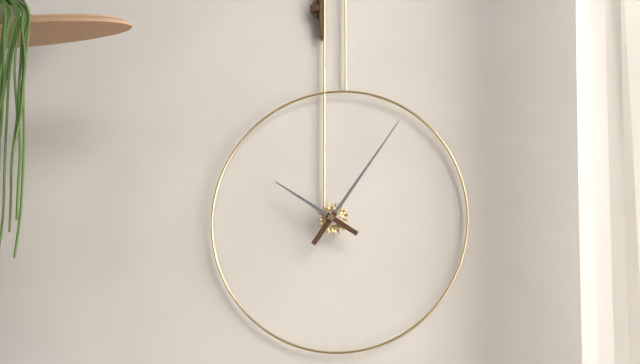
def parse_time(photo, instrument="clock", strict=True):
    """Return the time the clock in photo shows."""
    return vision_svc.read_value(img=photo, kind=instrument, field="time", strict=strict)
10:06
